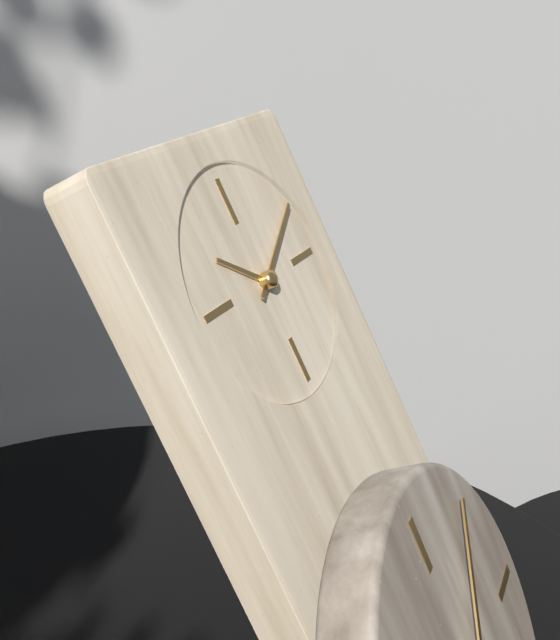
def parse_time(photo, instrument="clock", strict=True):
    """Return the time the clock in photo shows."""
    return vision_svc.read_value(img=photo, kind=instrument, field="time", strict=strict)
10:10
